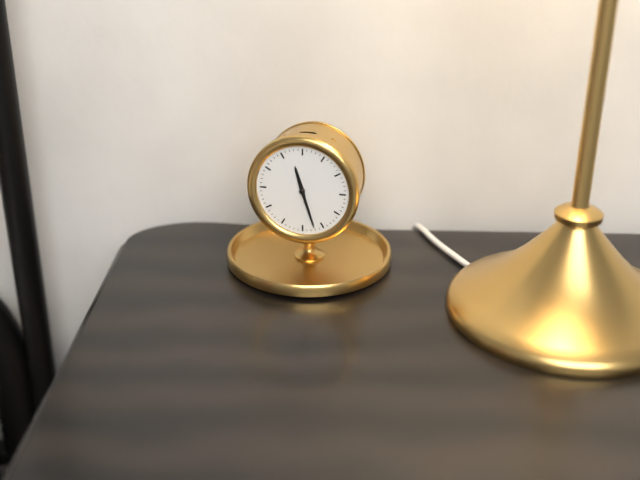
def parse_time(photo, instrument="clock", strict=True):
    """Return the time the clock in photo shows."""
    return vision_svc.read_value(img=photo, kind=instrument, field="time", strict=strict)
11:27
